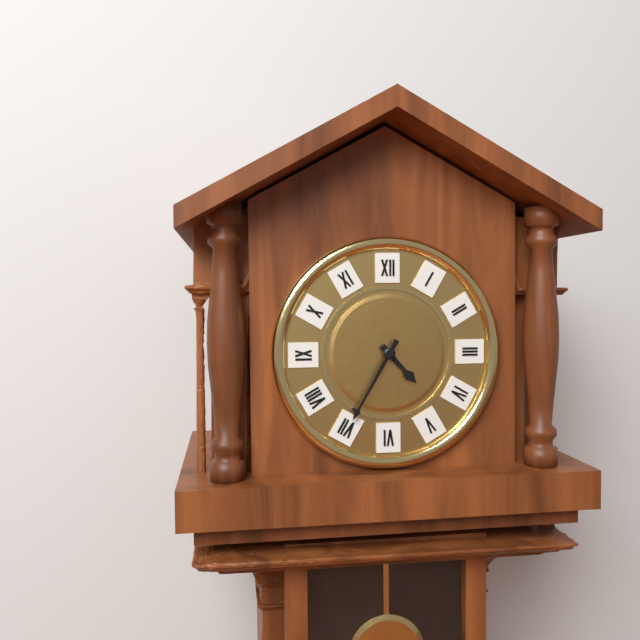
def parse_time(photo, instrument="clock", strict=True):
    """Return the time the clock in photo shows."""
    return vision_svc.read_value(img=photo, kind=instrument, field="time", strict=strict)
4:35
